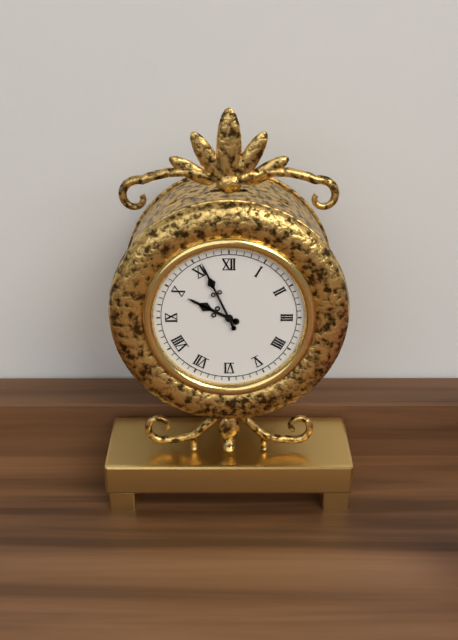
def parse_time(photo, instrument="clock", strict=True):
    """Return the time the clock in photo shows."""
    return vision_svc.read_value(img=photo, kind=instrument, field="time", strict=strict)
9:56
